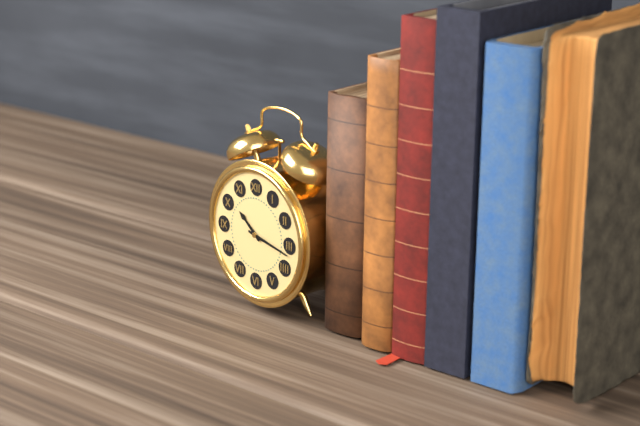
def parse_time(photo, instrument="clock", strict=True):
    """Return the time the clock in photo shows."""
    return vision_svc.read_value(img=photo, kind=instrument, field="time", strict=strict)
10:17
